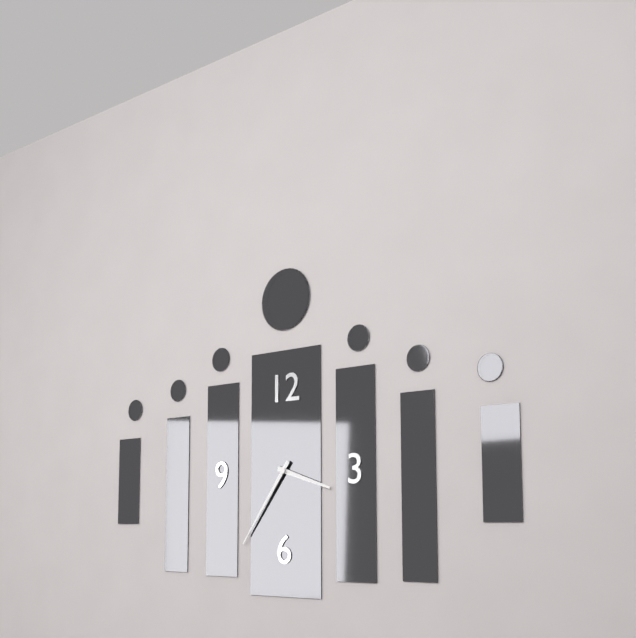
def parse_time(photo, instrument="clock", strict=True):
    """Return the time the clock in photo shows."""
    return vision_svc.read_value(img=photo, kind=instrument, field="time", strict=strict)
3:36
